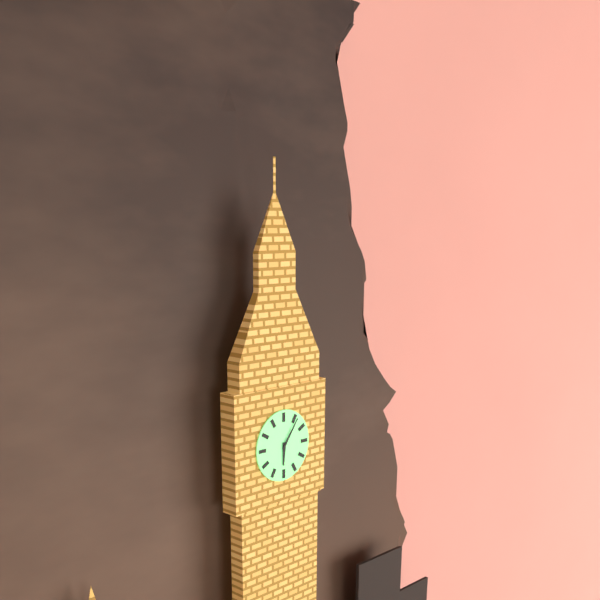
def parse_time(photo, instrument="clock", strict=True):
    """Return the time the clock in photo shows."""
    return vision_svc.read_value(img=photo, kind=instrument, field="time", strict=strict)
6:06
